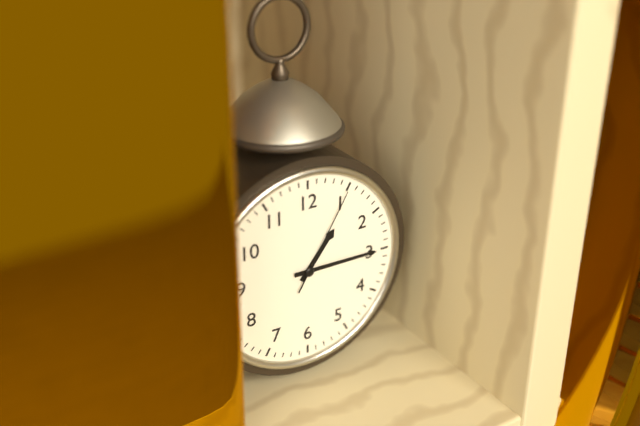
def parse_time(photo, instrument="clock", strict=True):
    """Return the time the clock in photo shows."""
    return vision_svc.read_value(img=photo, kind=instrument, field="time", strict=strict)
1:15:05
